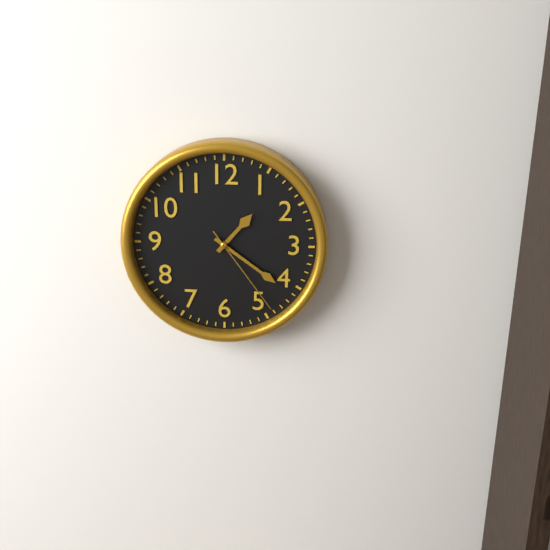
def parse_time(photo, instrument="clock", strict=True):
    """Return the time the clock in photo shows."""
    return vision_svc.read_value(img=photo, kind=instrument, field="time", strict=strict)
1:21:24
